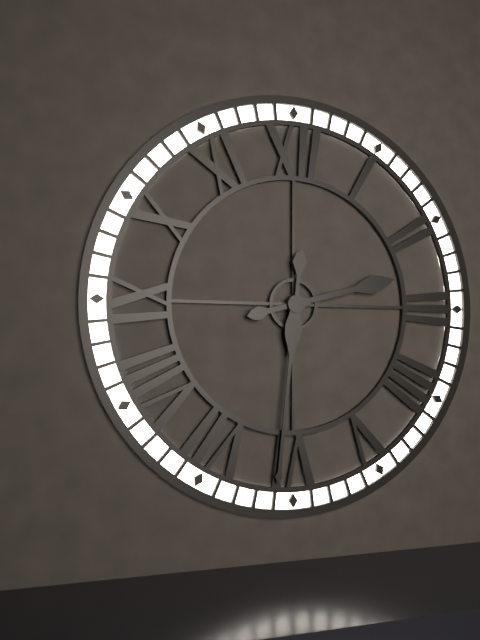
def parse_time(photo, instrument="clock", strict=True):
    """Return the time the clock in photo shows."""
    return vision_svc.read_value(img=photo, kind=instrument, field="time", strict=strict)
2:31
